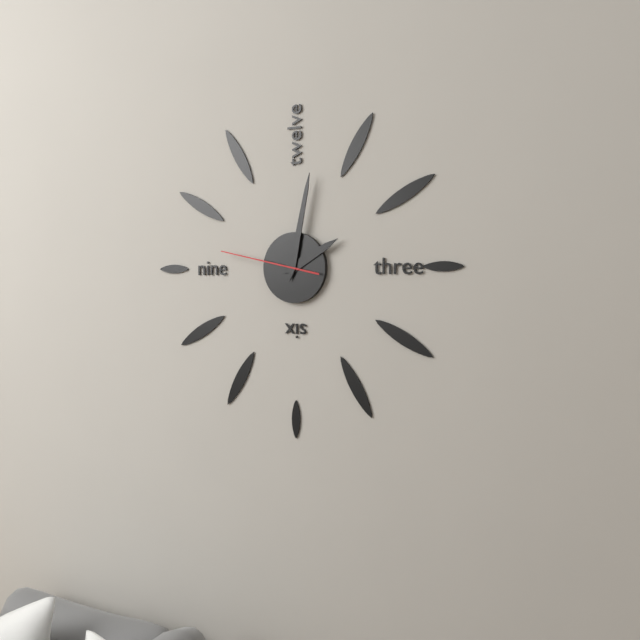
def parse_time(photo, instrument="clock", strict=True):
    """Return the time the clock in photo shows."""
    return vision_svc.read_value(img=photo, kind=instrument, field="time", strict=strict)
2:02:47
